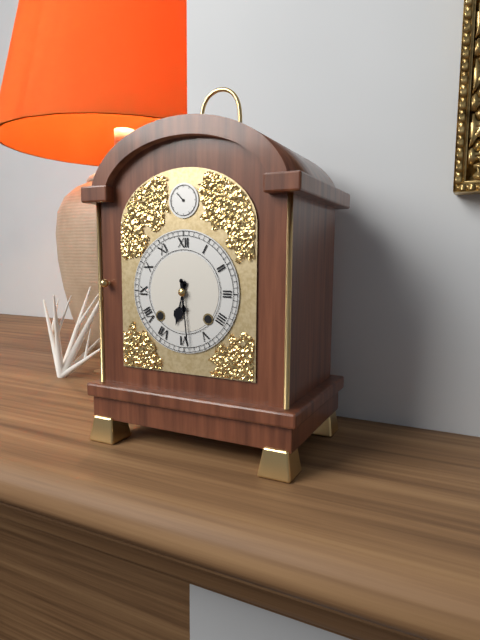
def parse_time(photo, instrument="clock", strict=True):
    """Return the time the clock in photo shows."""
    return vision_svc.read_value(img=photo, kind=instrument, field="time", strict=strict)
6:29
